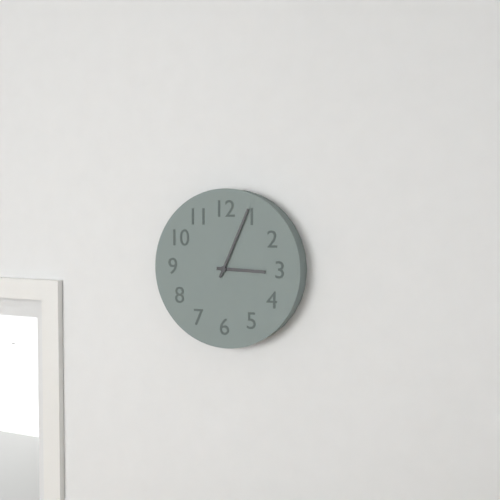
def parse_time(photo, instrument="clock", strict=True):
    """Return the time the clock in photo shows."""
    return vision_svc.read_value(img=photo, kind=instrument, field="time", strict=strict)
3:04
